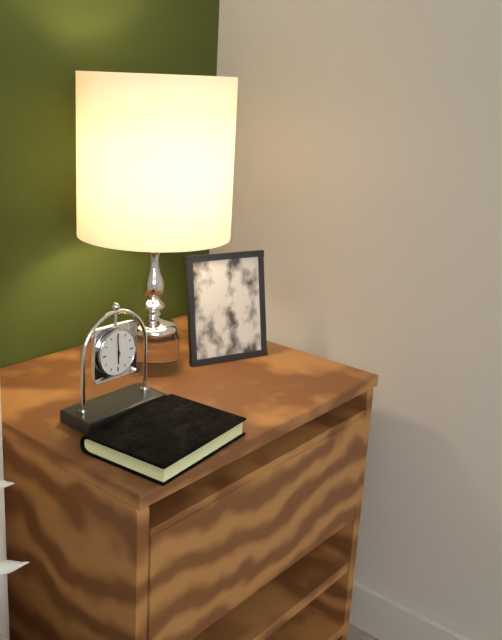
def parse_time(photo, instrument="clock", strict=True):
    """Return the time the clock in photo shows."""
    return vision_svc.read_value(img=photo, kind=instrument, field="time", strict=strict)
5:59
